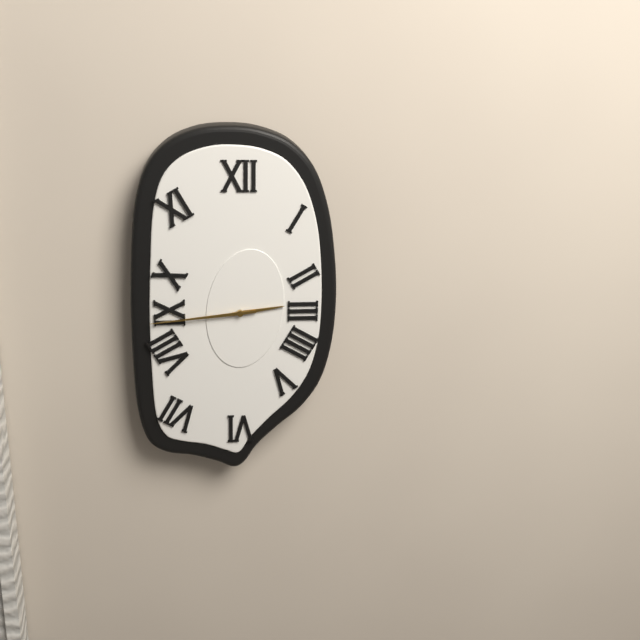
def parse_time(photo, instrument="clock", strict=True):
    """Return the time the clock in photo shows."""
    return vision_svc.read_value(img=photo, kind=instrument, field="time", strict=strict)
2:44
